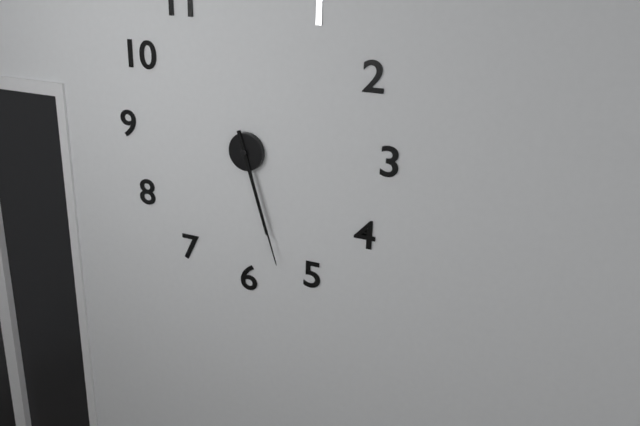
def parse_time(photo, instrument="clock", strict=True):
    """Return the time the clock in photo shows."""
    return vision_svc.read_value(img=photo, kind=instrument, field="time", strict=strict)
5:27
